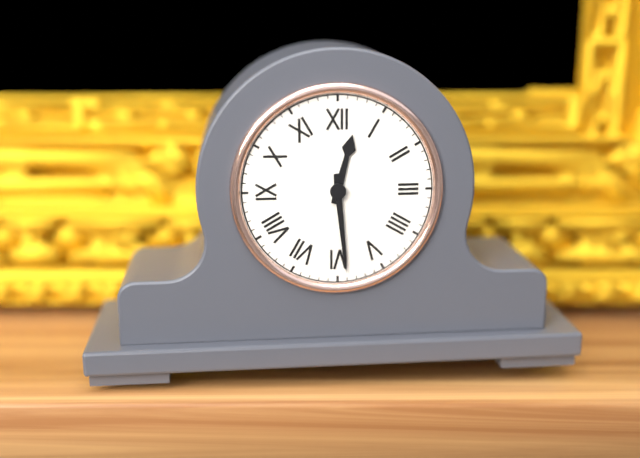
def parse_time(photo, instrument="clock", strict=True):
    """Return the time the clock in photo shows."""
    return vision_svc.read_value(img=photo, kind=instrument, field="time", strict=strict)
12:29
